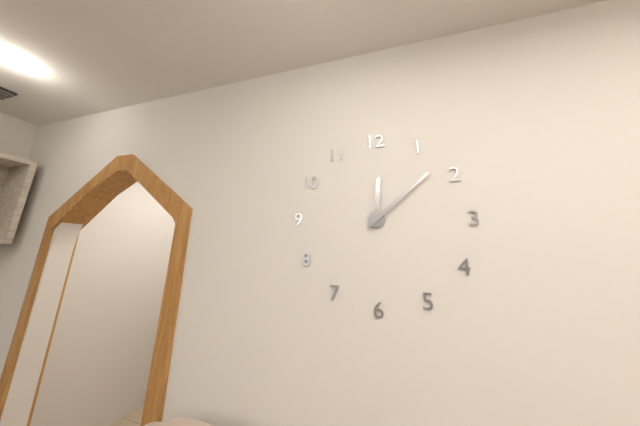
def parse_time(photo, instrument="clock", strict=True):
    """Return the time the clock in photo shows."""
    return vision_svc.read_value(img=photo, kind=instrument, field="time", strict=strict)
12:08
